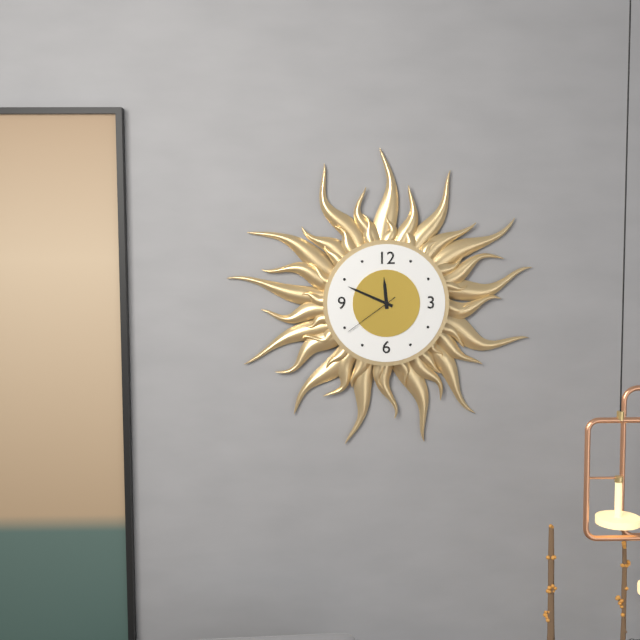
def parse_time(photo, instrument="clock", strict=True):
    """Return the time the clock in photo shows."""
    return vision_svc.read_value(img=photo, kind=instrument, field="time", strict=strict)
11:49:39
